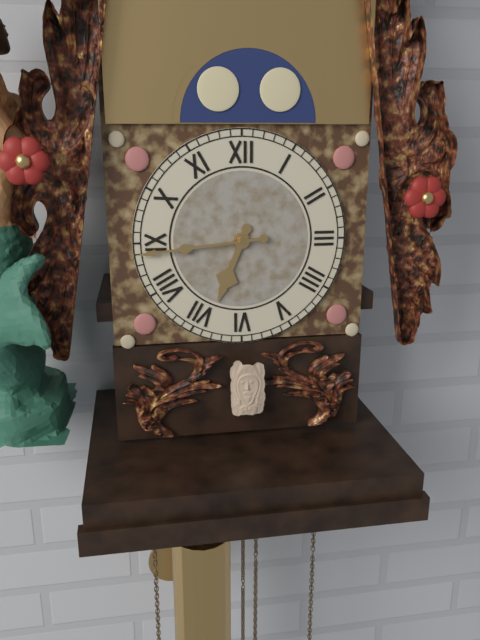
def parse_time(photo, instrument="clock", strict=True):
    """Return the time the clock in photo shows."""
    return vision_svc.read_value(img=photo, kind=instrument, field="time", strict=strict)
6:44
